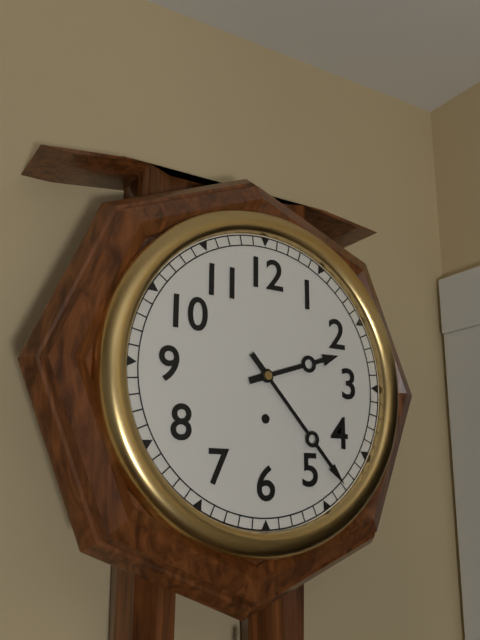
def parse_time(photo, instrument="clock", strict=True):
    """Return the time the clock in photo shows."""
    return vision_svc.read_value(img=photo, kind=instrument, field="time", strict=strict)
2:23
